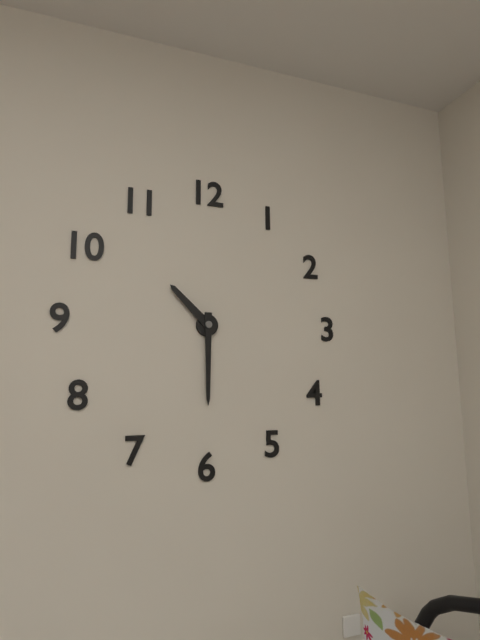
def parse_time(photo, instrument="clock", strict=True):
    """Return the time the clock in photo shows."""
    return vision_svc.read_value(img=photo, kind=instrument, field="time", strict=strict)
10:30
